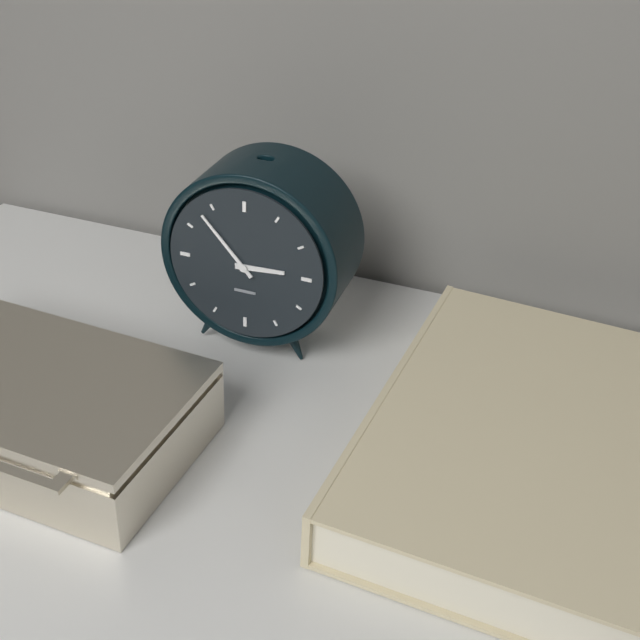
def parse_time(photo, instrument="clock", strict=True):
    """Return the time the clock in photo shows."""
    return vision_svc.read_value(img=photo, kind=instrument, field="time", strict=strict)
2:53
